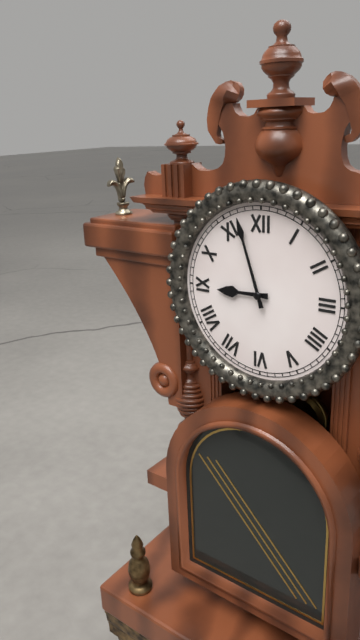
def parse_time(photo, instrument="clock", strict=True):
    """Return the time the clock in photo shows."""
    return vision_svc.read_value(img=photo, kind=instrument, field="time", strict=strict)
8:57
